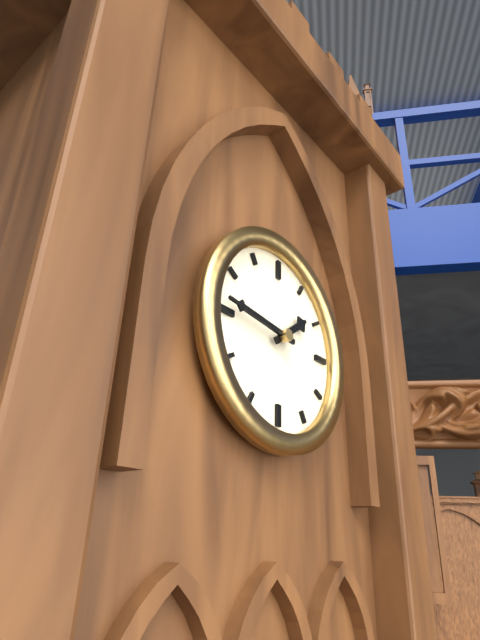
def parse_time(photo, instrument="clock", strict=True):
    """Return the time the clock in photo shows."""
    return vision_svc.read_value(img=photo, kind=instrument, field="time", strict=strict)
1:46
